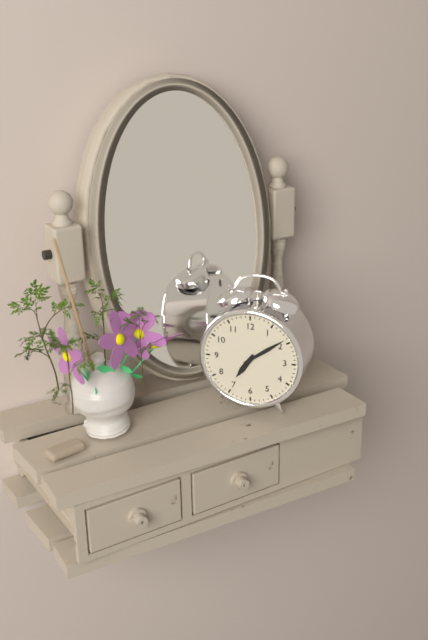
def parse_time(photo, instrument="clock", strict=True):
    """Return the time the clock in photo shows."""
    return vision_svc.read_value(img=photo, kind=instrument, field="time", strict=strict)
7:09
